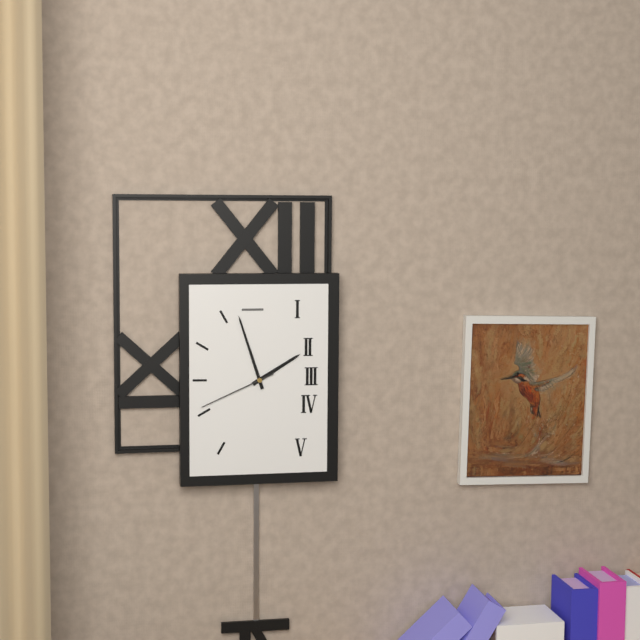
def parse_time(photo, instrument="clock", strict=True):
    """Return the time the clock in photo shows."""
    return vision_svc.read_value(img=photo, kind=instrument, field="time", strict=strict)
1:57:41
